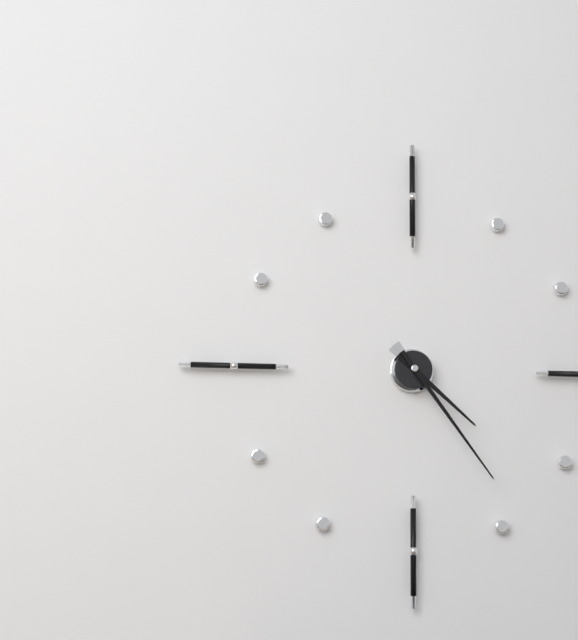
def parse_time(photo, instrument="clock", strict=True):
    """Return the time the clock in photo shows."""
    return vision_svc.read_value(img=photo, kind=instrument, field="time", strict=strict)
4:24
